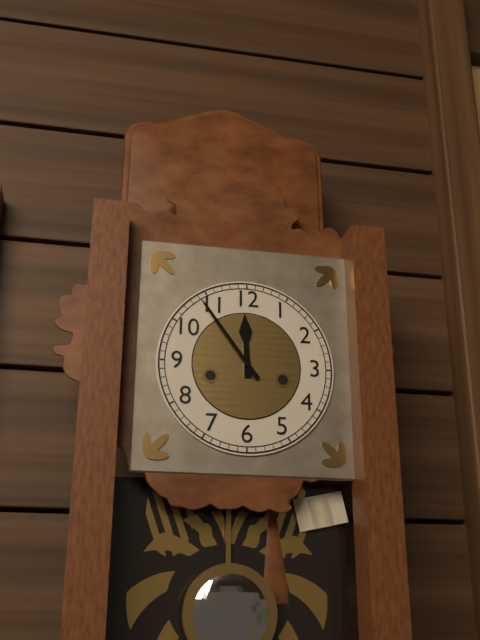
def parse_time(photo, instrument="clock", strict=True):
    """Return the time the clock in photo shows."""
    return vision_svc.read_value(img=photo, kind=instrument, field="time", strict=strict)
11:54
